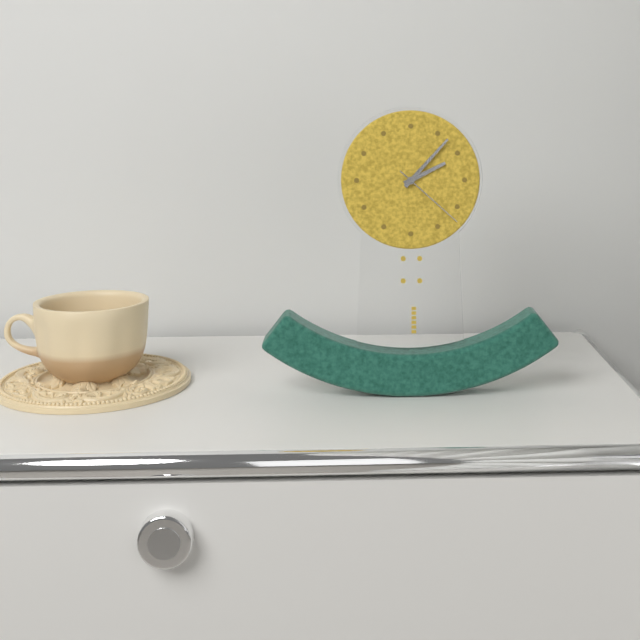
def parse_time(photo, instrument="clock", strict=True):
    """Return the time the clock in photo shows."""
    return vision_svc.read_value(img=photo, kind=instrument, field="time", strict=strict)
2:07:22
